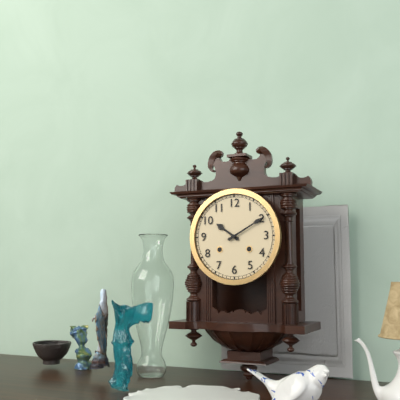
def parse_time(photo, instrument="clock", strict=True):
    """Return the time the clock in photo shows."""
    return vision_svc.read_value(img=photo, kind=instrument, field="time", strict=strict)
10:10
